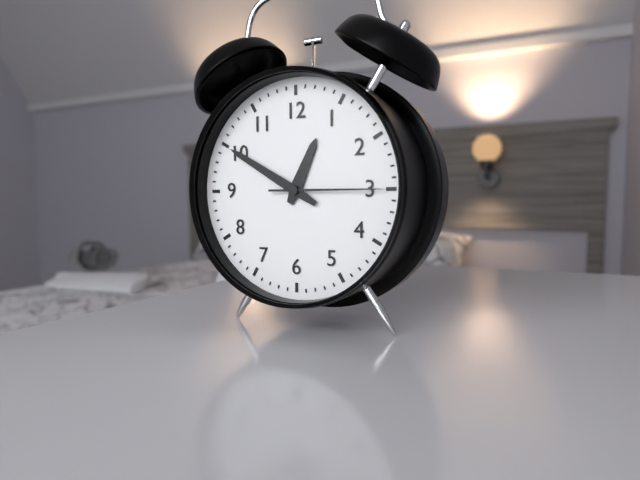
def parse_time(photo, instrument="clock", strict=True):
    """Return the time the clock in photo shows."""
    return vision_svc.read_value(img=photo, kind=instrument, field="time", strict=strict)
12:50:15
